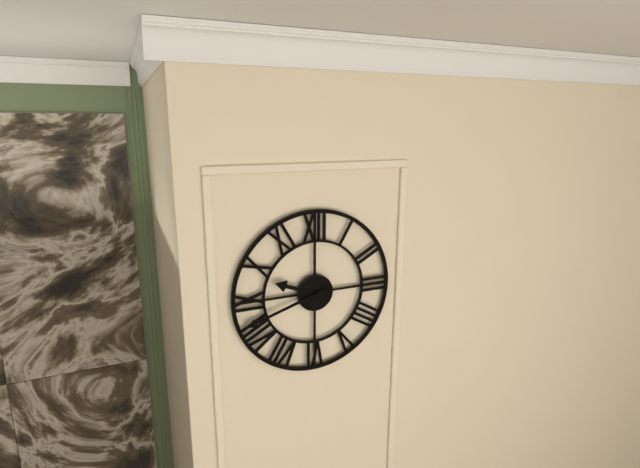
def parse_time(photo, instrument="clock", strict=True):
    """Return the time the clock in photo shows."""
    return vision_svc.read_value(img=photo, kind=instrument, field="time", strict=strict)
9:42
